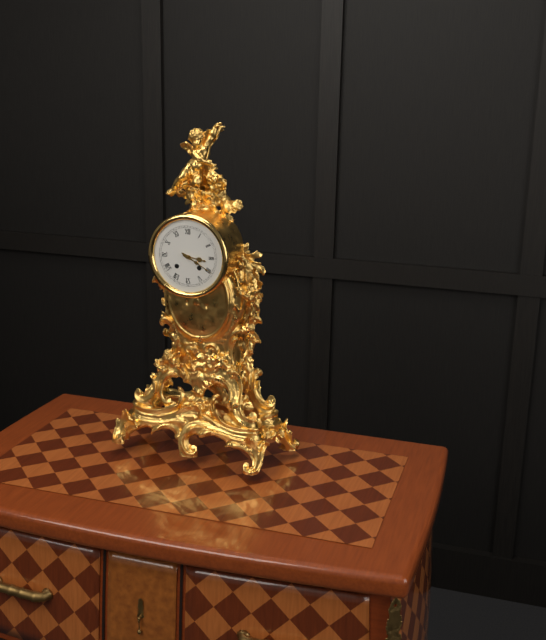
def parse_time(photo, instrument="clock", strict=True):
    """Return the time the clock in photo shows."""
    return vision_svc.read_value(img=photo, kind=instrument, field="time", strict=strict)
3:20
